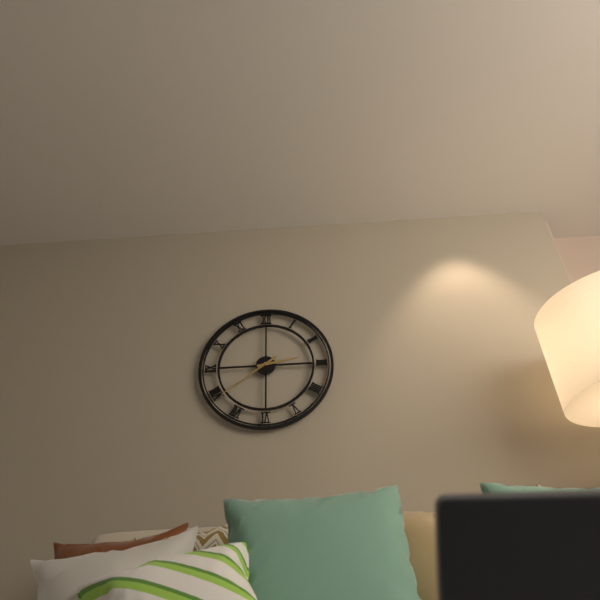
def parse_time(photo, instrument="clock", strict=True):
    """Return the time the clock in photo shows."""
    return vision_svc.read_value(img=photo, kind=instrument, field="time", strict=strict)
2:39
